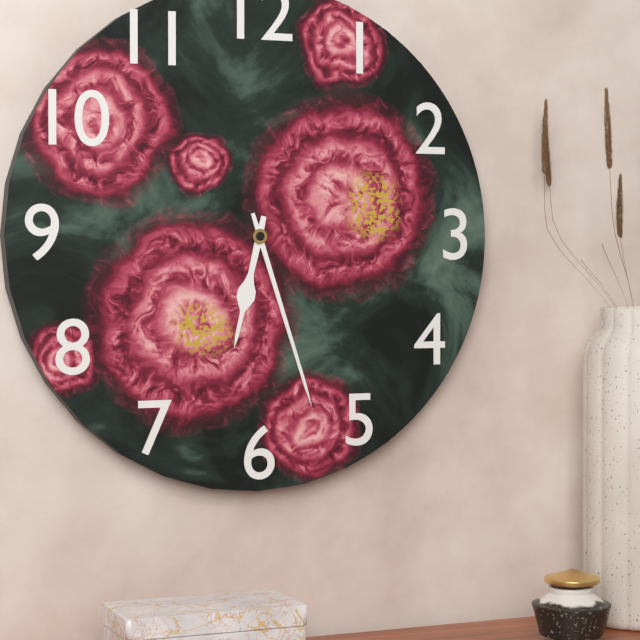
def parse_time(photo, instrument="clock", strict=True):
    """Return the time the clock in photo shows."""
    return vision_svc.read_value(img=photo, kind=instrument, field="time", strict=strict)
6:27
